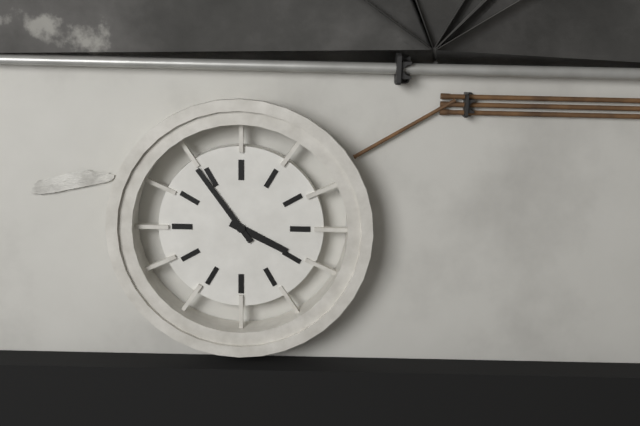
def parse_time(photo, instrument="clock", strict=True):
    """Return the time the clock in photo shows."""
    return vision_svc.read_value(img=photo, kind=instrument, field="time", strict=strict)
3:54
